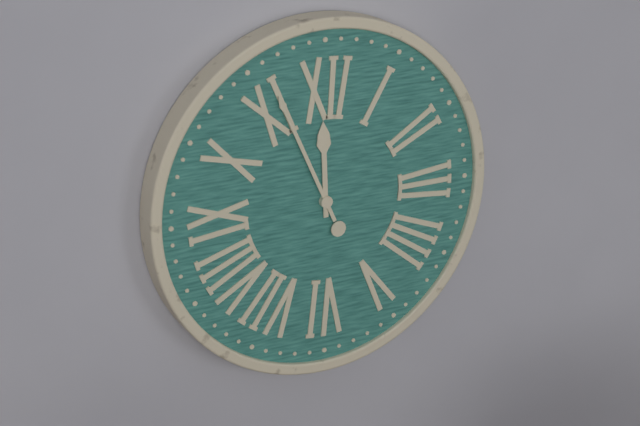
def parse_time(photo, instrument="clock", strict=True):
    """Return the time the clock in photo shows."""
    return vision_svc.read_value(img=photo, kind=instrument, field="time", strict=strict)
11:56
